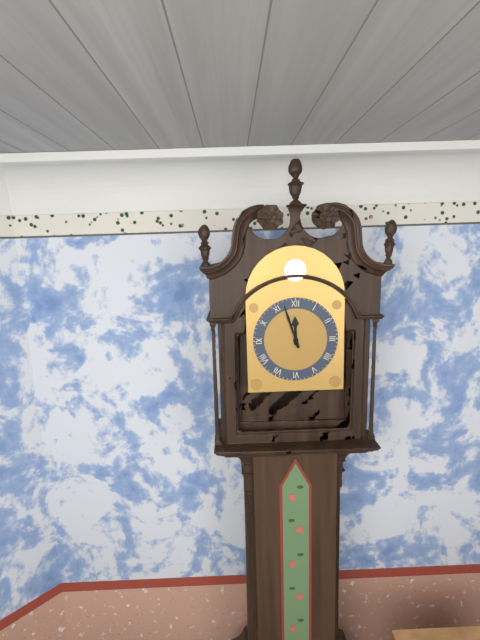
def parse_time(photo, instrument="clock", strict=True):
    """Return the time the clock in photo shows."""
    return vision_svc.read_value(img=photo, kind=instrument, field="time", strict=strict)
11:57
